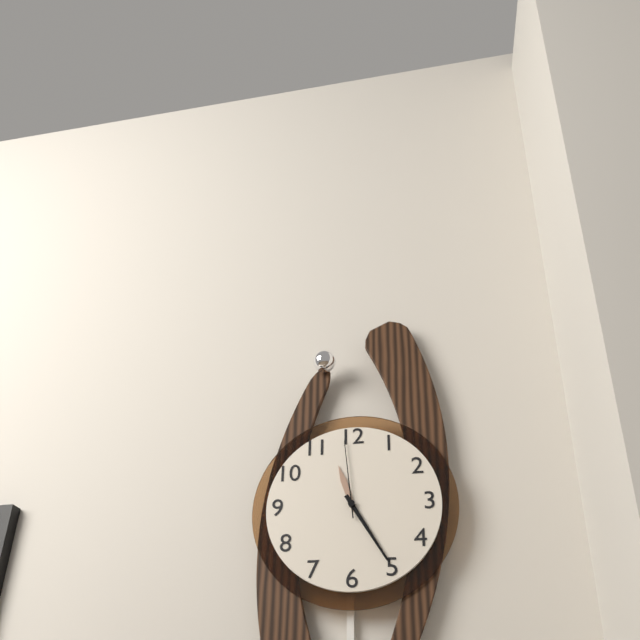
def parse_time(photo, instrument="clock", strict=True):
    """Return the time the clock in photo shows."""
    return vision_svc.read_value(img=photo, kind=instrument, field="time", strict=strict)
11:25:59
